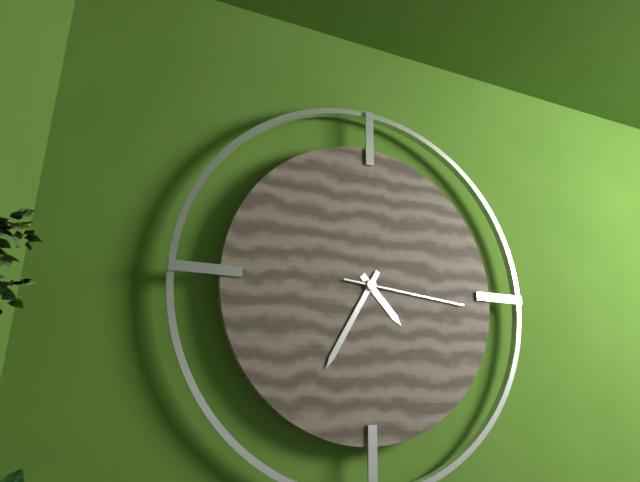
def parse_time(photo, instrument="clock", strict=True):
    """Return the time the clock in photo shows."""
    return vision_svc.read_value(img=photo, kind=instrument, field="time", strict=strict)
4:35:16
